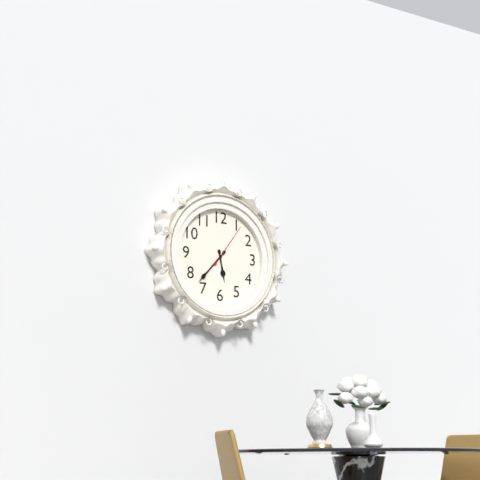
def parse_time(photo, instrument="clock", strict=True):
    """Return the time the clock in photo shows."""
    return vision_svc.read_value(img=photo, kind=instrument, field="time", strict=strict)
5:37
